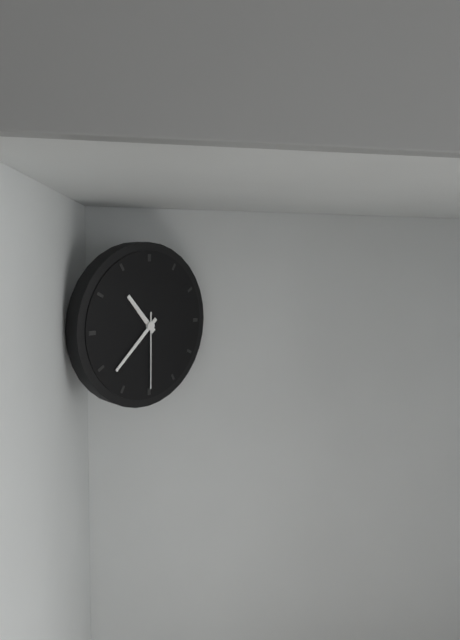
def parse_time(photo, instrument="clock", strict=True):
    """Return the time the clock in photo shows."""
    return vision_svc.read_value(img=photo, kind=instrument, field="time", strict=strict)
10:38:30
